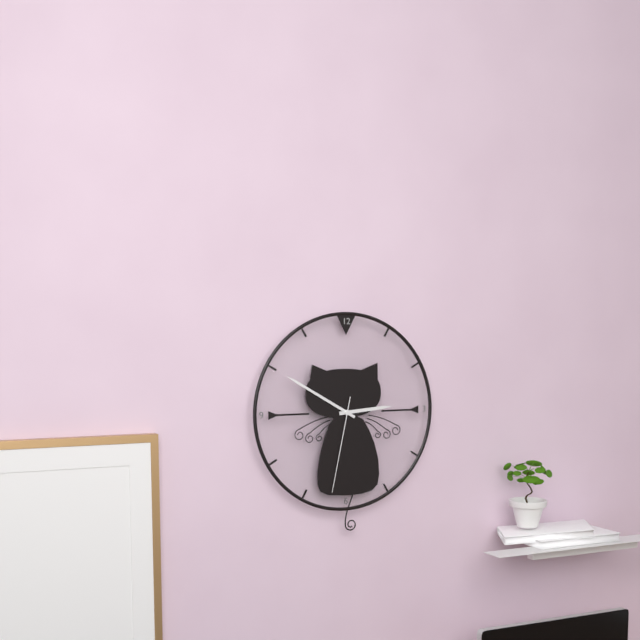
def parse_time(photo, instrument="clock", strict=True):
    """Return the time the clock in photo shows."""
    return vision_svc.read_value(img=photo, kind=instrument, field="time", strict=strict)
2:50:32
